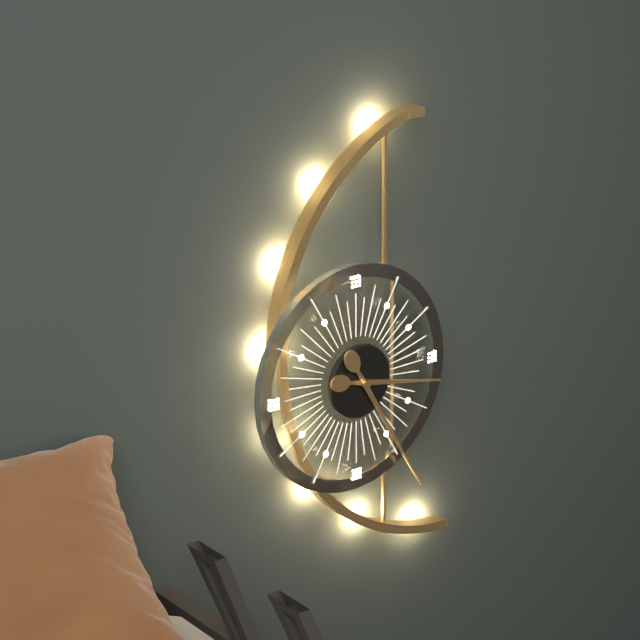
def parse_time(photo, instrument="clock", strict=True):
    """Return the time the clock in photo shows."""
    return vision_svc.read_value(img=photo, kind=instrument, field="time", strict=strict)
3:25
